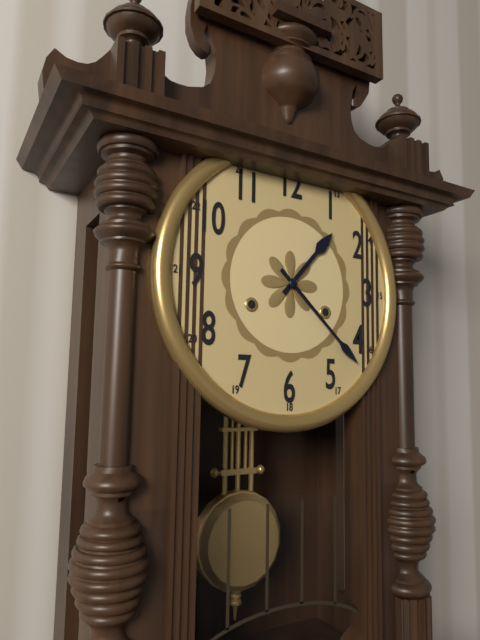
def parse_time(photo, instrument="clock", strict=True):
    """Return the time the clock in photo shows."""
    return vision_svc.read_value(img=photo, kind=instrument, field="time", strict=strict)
1:22
